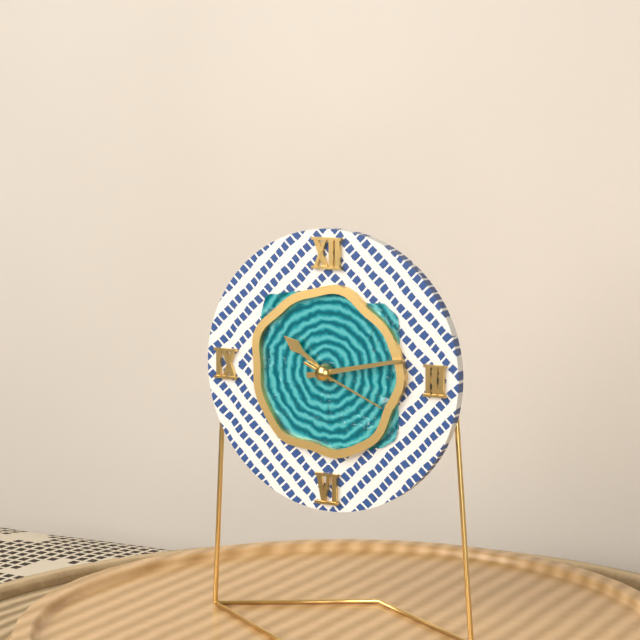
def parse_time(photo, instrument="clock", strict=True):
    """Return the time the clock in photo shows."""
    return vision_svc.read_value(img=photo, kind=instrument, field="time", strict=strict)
10:13:19
